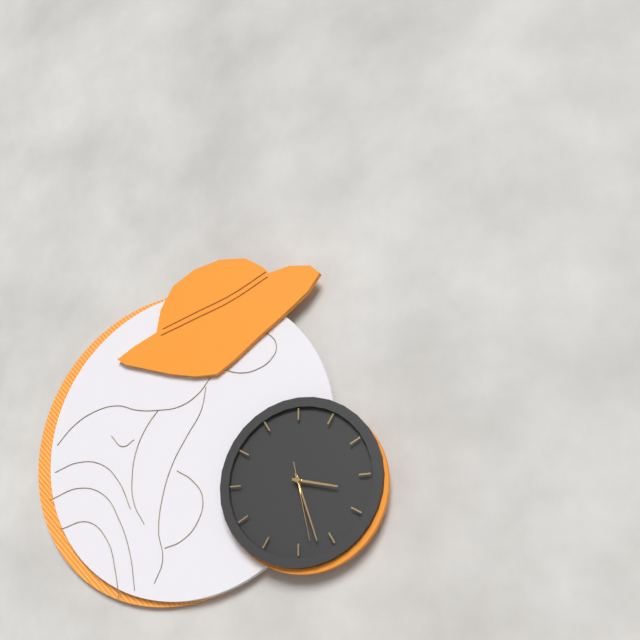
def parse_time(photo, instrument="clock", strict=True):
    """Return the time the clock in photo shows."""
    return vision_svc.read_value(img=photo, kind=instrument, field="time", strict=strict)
3:27:28
